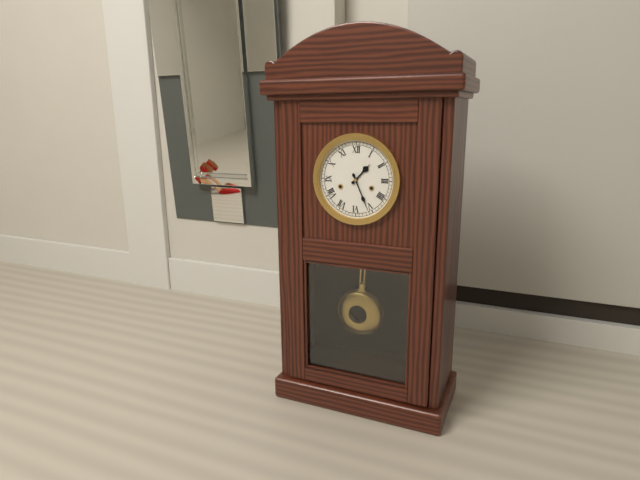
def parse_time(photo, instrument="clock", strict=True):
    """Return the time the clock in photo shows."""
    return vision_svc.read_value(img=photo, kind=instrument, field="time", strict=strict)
1:26
